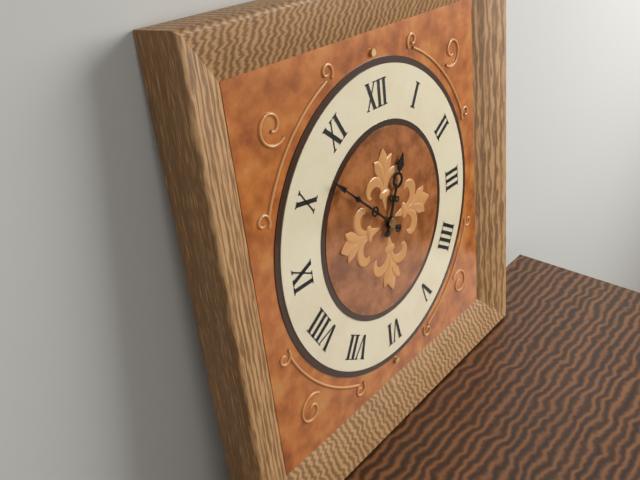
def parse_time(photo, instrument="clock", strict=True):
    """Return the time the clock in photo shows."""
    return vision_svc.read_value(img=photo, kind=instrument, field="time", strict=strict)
12:52
